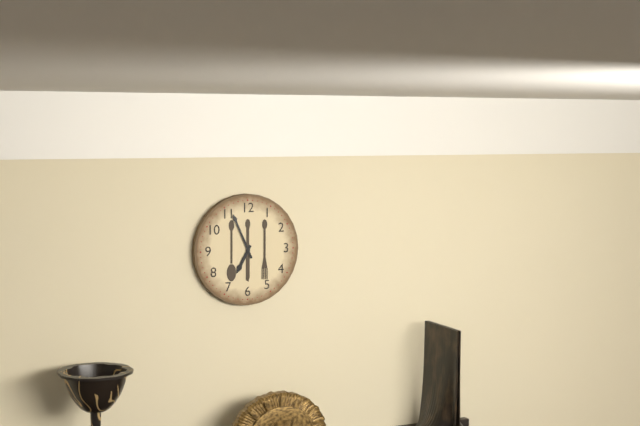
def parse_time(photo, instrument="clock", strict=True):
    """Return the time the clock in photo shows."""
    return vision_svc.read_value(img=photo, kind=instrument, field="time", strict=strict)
6:56
